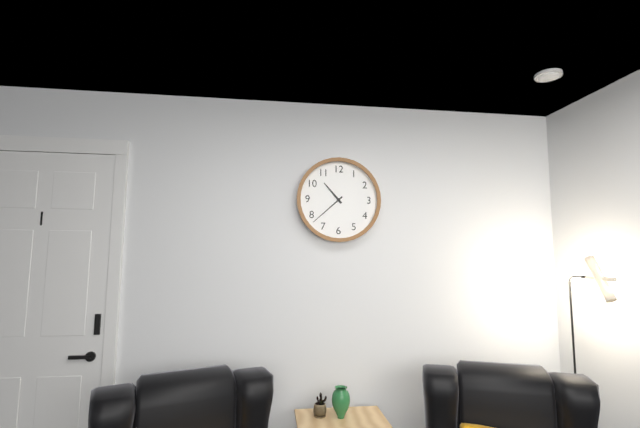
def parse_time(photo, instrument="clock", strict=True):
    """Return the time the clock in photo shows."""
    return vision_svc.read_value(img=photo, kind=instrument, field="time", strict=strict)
10:38
